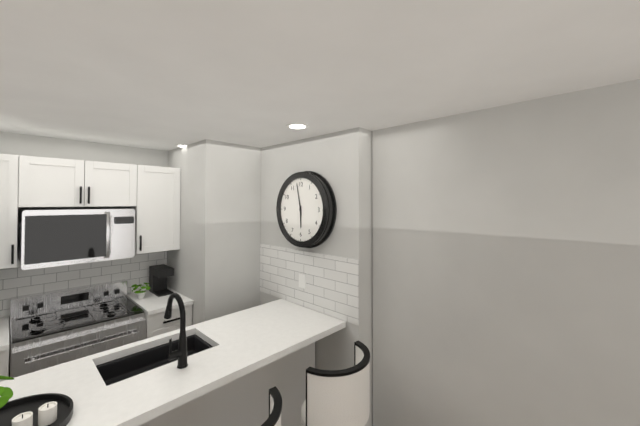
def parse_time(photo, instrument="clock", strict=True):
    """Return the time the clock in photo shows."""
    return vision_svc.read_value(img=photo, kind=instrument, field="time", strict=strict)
5:58
